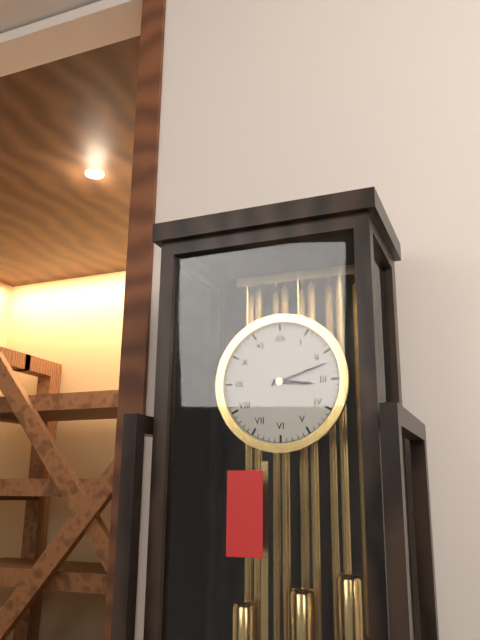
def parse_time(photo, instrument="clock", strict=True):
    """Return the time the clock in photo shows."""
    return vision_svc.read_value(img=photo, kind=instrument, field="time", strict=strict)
3:12
